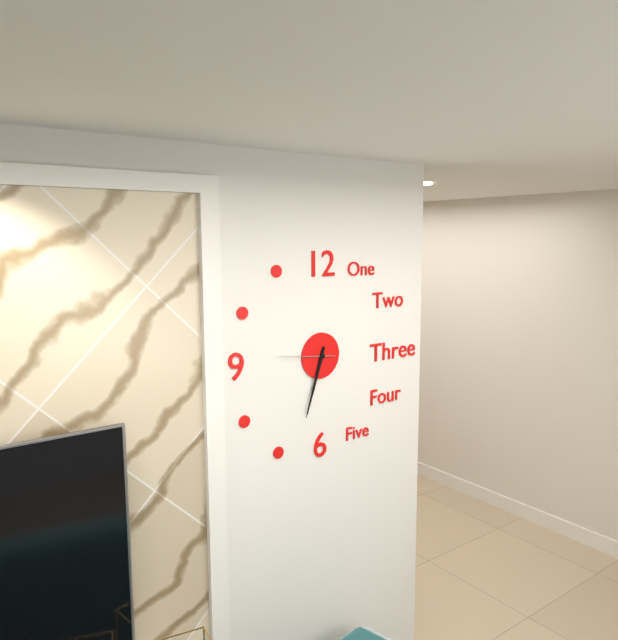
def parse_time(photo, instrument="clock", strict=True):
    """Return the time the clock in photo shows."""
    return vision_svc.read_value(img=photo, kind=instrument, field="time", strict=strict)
6:33:46
